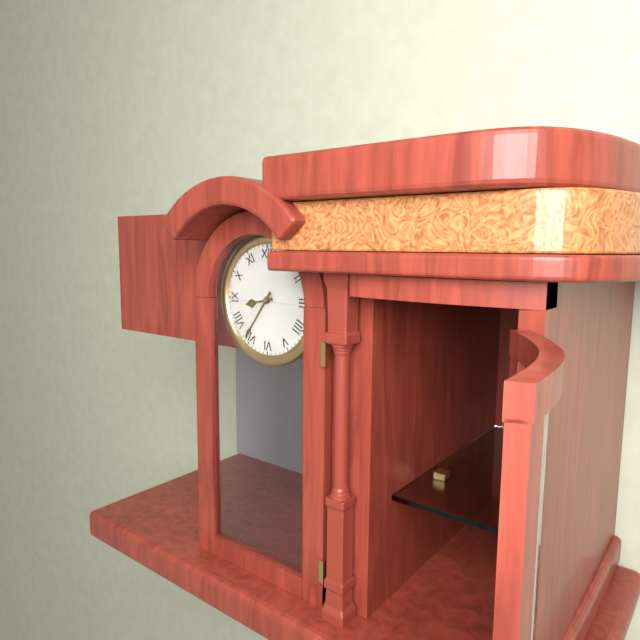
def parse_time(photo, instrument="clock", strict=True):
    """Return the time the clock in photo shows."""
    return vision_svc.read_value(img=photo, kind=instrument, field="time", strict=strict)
8:36
